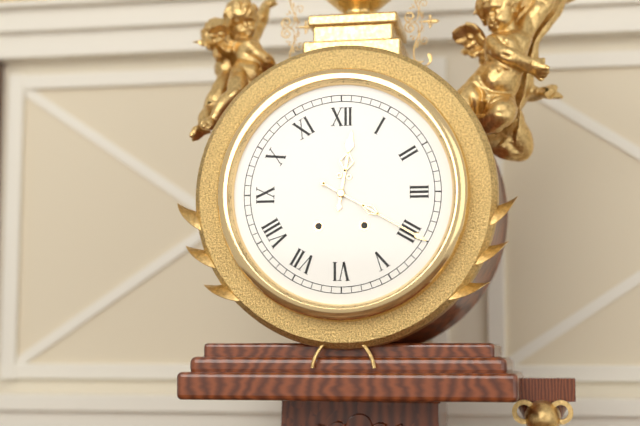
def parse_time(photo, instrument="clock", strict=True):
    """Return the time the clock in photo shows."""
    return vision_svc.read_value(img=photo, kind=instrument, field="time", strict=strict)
12:20
